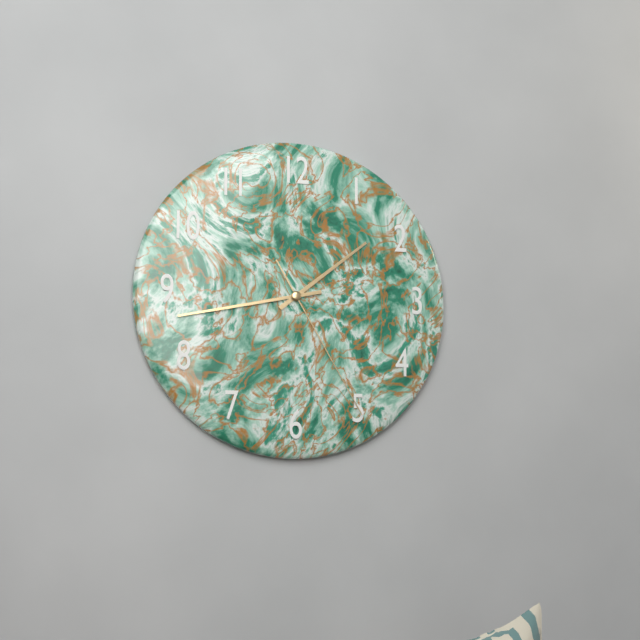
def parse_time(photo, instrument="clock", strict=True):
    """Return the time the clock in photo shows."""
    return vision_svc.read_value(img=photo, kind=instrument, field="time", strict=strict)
1:43:25
